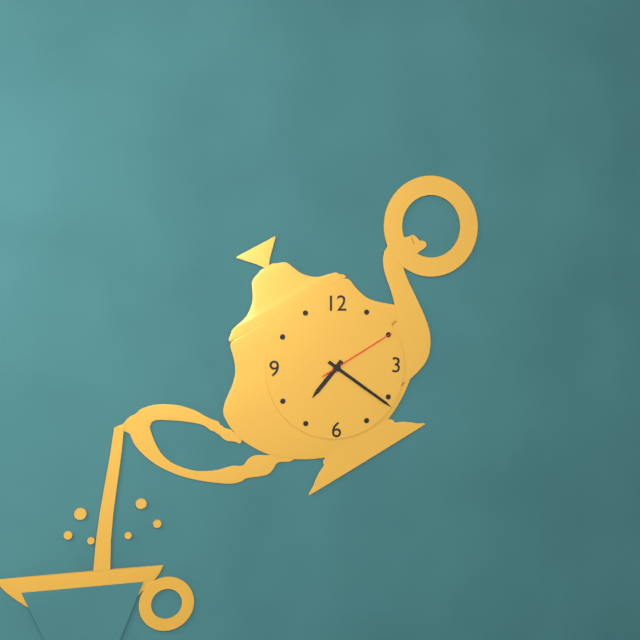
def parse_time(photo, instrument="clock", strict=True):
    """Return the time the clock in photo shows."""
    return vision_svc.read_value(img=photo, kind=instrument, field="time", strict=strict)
7:21:10
